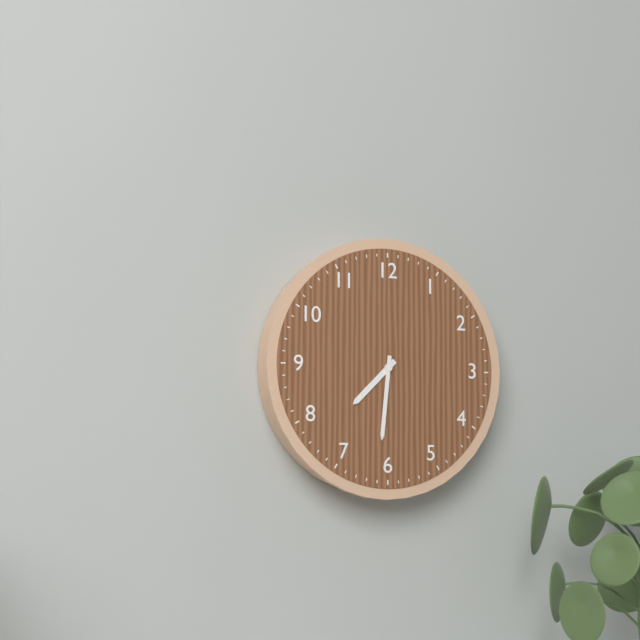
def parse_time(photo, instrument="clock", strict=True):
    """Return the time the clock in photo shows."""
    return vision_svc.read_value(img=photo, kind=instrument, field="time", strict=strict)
7:31
